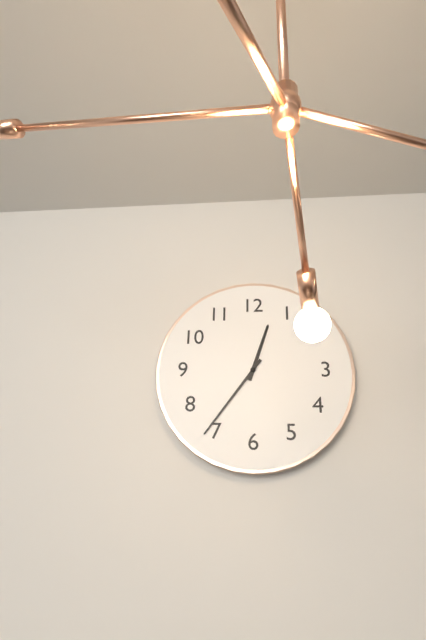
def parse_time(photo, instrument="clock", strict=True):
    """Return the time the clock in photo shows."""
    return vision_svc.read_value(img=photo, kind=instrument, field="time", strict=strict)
12:36
